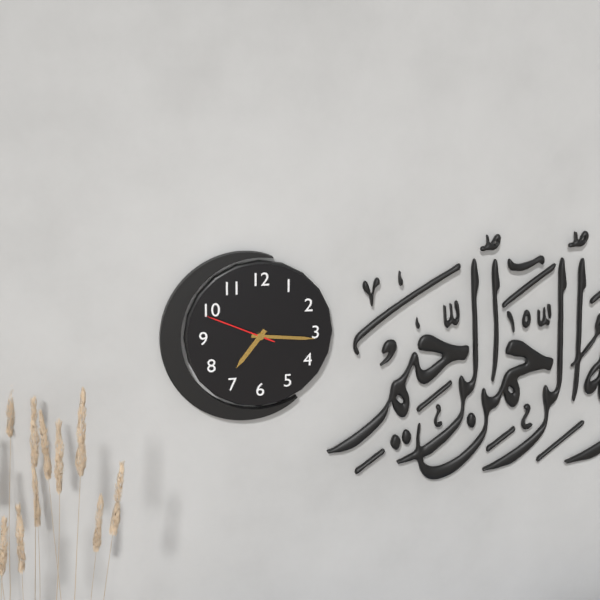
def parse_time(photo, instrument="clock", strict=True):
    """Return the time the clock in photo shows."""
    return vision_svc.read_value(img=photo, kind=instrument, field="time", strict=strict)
7:16:49
